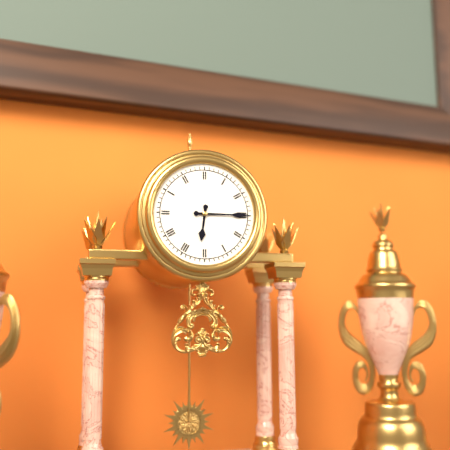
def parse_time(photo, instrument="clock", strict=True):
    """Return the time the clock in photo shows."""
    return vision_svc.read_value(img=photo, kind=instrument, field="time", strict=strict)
6:15
